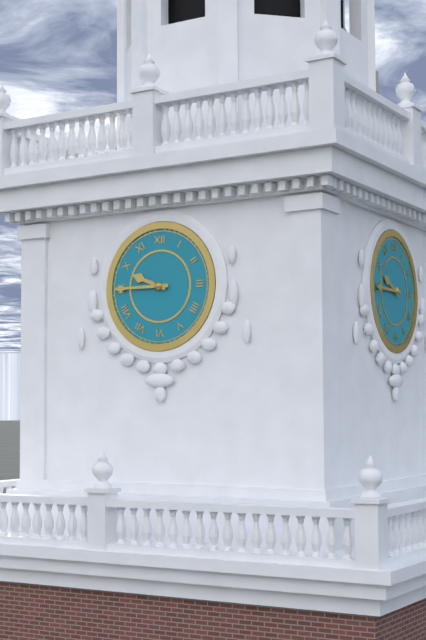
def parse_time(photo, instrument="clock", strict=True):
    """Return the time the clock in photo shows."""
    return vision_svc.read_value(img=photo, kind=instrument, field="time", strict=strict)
9:45
